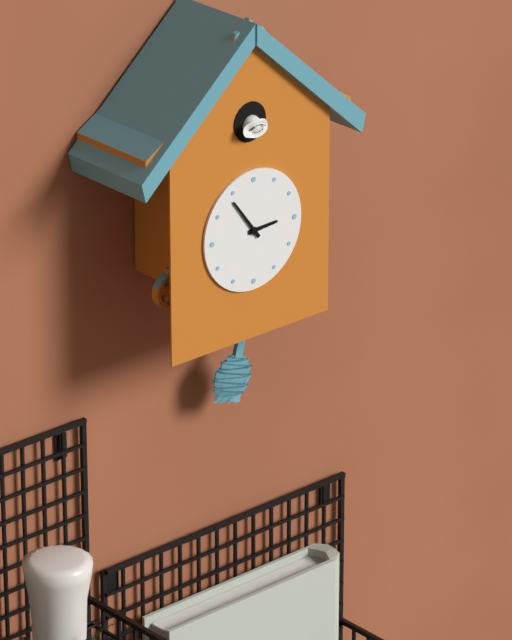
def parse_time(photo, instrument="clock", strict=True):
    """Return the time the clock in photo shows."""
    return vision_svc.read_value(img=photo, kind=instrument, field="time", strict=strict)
2:54
